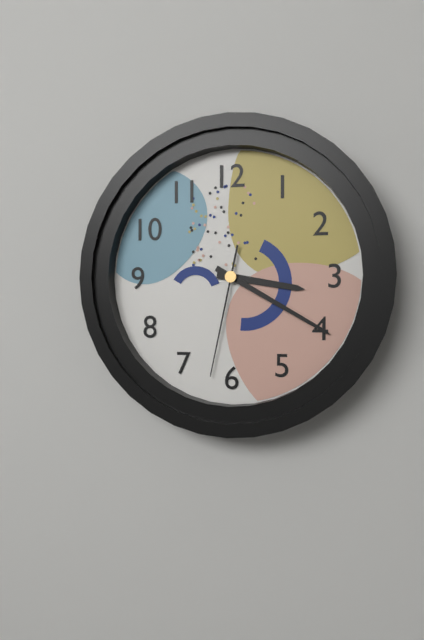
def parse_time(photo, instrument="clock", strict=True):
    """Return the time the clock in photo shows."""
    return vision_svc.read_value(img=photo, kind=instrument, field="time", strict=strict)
3:20:32
